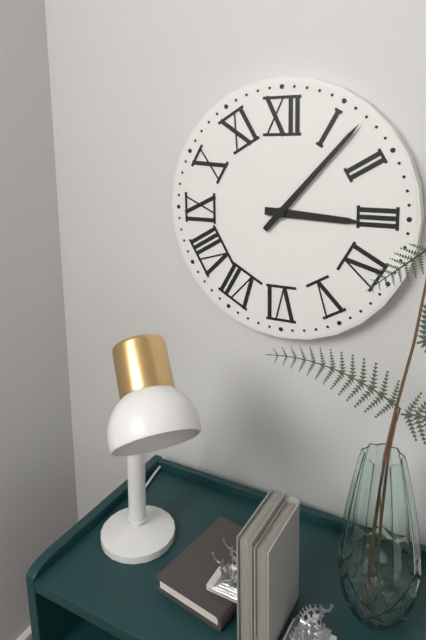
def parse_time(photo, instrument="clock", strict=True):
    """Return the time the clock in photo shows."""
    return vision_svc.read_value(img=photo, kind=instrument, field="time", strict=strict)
3:07
